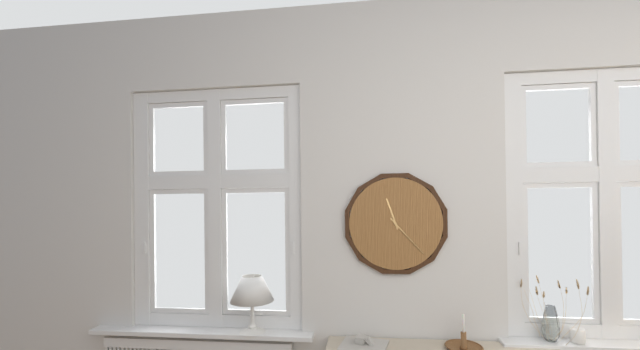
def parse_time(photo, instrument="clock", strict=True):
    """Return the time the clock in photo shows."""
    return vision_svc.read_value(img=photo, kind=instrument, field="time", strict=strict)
11:23
